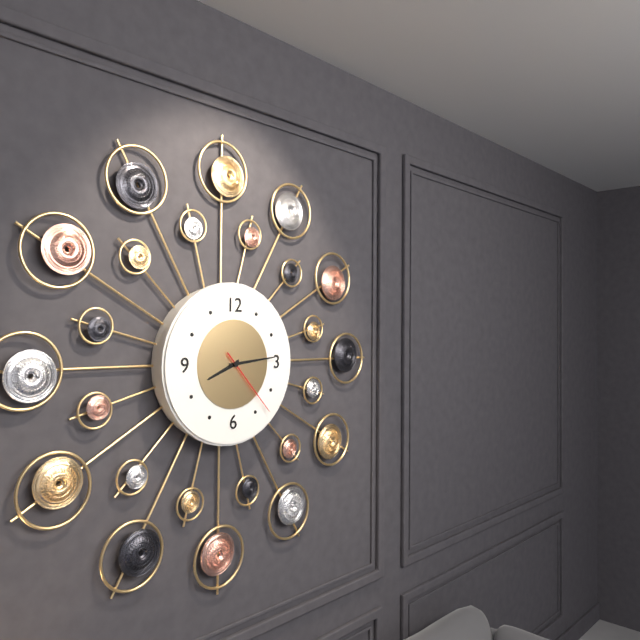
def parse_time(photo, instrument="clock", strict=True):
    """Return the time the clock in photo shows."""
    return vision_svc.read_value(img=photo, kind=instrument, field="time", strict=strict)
8:14:23
